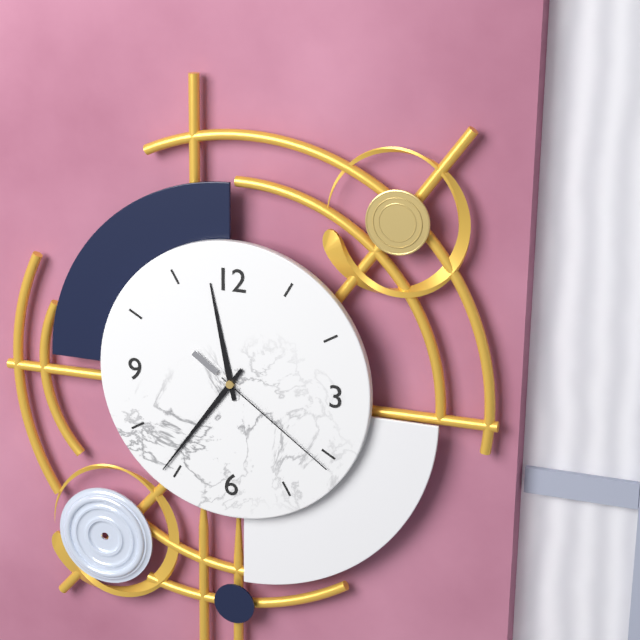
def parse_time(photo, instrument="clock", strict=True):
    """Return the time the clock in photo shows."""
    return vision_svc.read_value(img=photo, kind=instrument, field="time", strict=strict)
11:36:21
